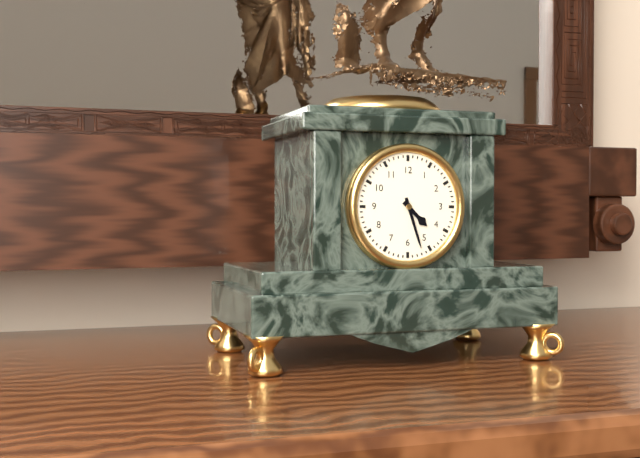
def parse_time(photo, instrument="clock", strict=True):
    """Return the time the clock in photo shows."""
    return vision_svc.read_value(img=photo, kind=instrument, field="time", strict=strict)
4:27
